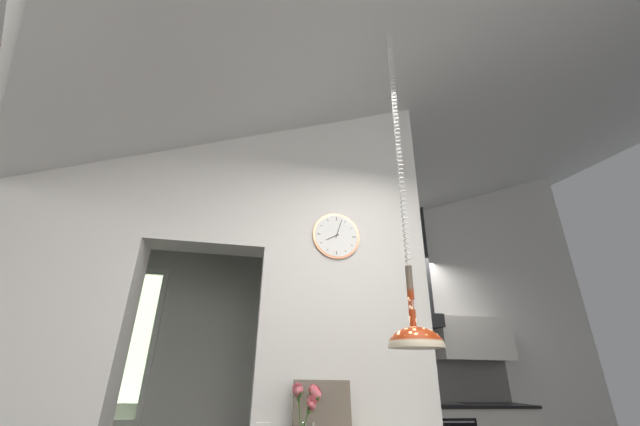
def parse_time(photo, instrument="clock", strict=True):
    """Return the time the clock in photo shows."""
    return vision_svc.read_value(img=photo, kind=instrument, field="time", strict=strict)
8:03
